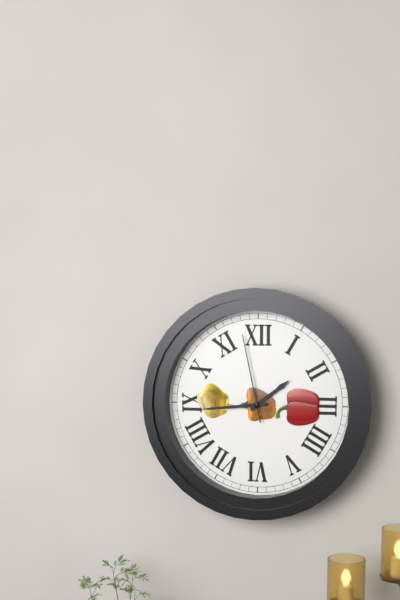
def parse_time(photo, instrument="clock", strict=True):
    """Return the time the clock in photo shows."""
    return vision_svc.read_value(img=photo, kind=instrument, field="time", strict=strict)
1:44:58
